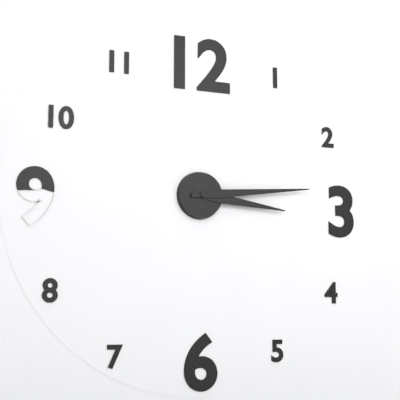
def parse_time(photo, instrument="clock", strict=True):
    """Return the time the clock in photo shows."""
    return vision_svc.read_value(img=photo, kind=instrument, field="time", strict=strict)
3:14
